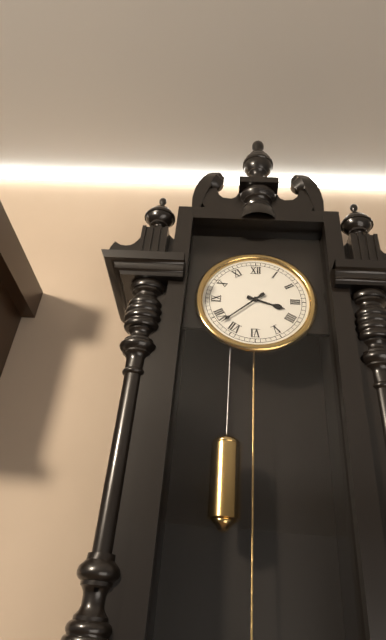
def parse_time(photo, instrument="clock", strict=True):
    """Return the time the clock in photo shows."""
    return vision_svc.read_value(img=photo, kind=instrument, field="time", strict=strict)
3:38
